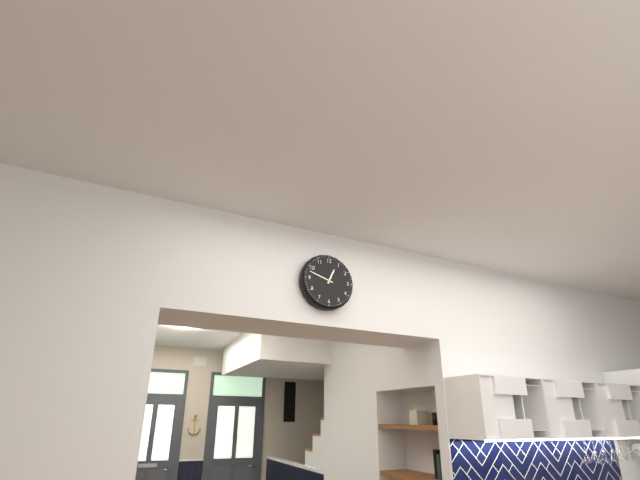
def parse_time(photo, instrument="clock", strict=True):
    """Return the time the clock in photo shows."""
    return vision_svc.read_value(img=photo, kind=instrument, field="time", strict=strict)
12:48
